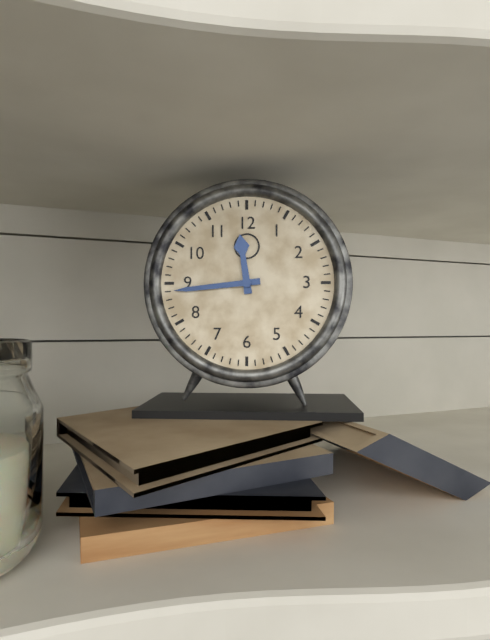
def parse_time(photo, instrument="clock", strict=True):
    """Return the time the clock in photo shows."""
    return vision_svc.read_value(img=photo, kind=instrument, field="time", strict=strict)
11:44
